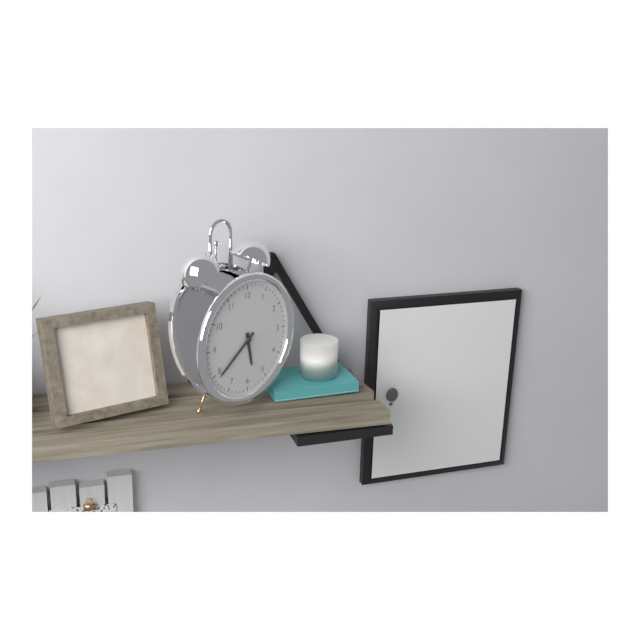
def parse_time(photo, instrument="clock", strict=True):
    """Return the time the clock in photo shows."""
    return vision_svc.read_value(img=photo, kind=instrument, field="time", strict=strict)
5:39
